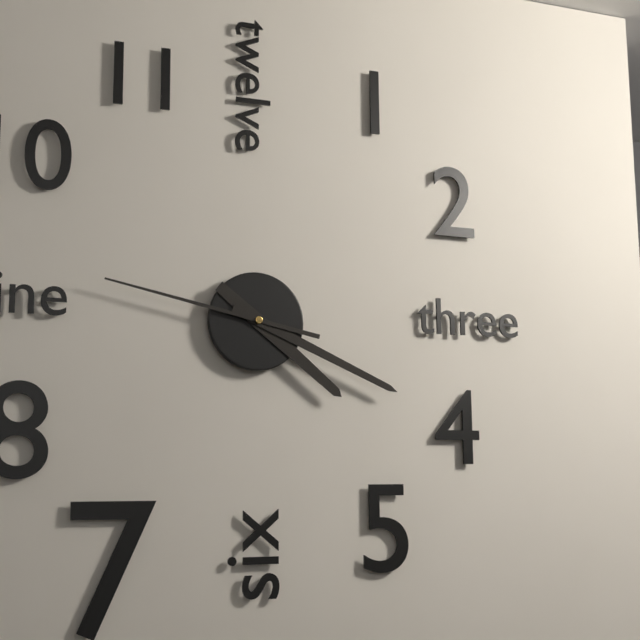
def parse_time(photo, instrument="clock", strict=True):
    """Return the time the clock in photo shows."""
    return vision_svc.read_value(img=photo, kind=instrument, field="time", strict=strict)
4:19:47
